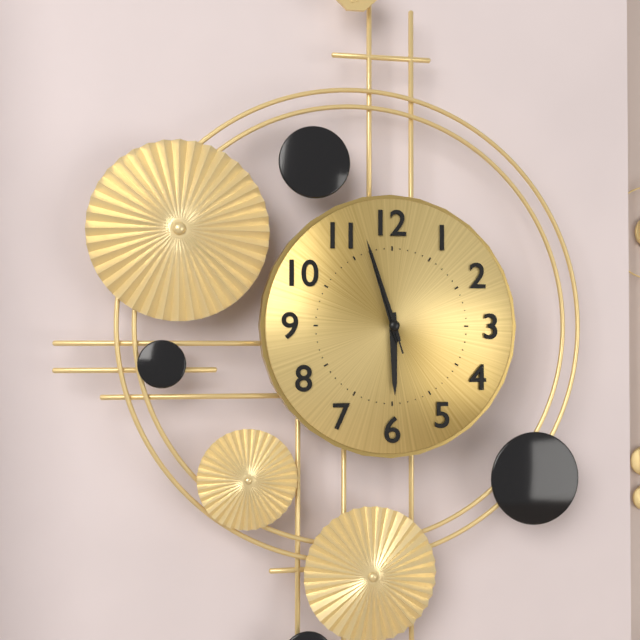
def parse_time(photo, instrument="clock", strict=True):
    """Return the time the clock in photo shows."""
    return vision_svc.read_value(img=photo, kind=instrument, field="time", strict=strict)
5:57:57
